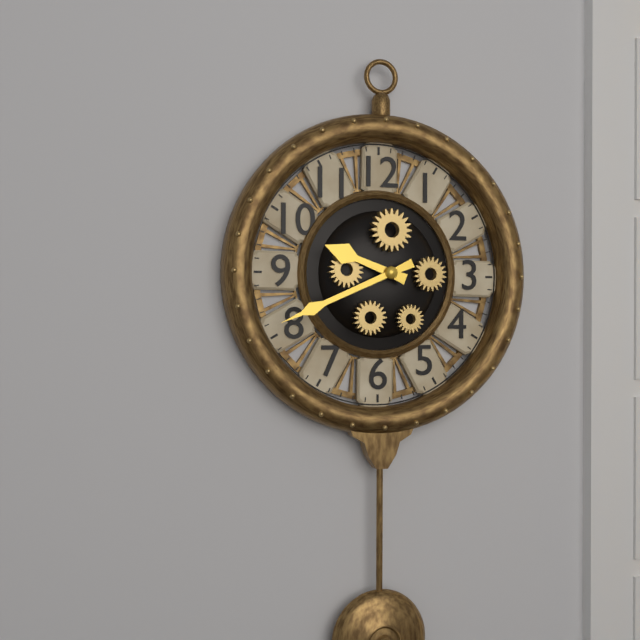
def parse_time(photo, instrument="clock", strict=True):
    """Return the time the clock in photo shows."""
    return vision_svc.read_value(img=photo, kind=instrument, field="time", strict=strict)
9:41
